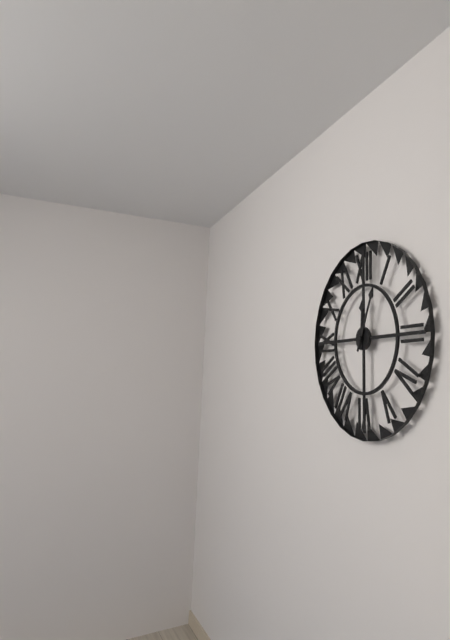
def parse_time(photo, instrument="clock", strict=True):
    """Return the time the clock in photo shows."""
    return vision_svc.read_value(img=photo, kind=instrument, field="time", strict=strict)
12:04
